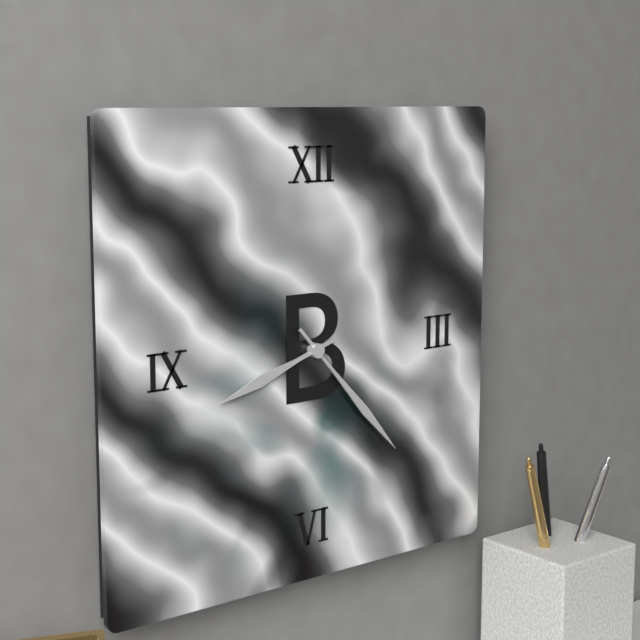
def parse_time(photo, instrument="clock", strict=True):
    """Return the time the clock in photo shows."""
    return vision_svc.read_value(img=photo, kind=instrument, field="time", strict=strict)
8:23
